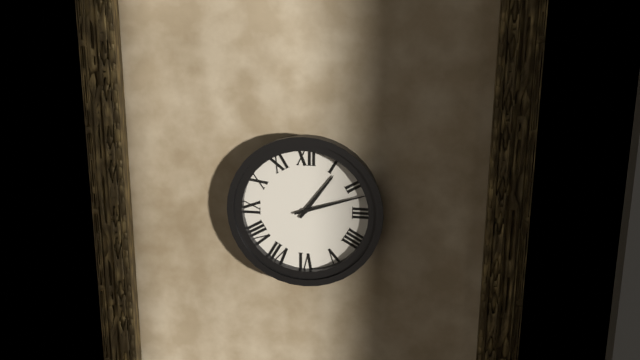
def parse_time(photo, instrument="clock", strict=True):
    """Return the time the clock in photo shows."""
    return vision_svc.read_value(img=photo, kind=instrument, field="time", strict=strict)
1:12
